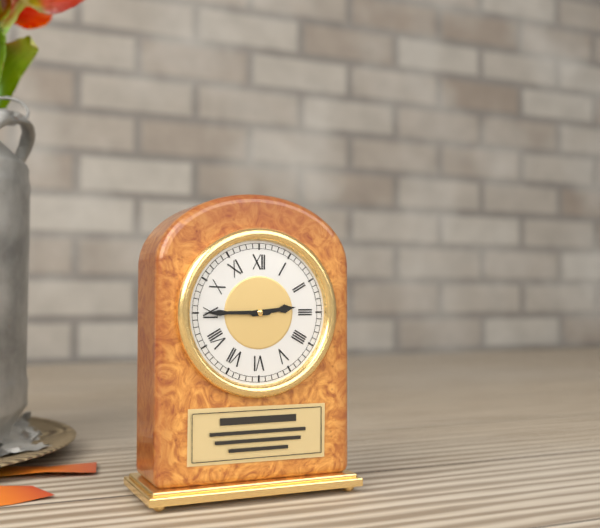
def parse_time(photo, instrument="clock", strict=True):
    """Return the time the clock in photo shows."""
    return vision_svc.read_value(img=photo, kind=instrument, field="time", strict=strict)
2:45
